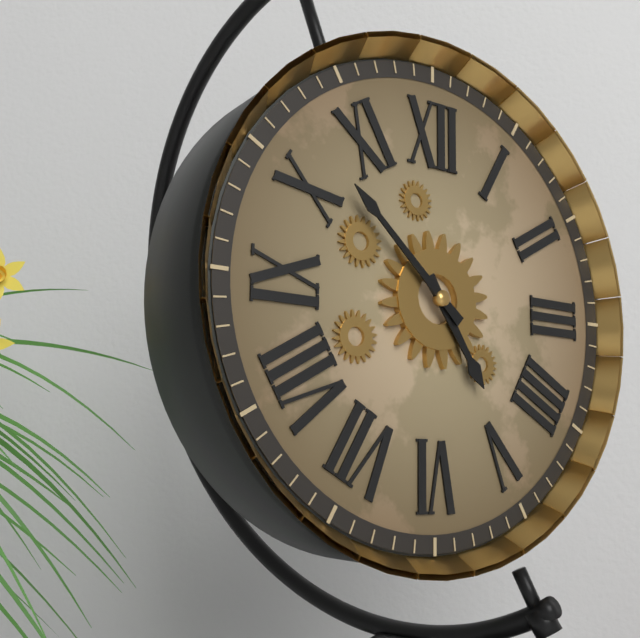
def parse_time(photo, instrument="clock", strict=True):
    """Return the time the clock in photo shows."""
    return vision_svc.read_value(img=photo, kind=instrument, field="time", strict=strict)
4:52
